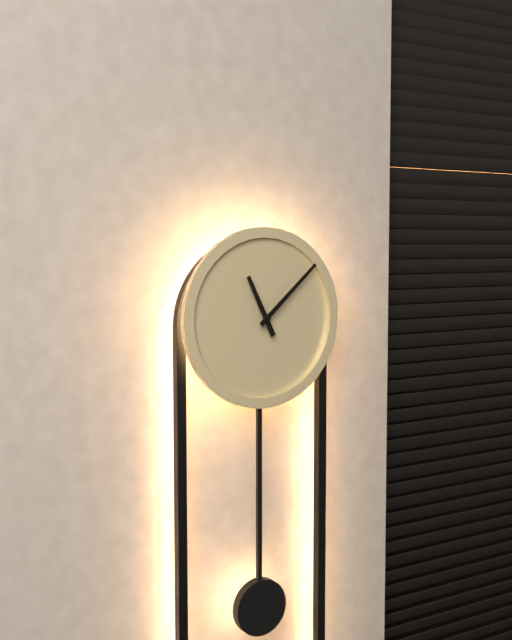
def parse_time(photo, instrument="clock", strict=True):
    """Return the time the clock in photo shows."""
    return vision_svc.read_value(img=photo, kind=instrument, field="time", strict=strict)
11:08
